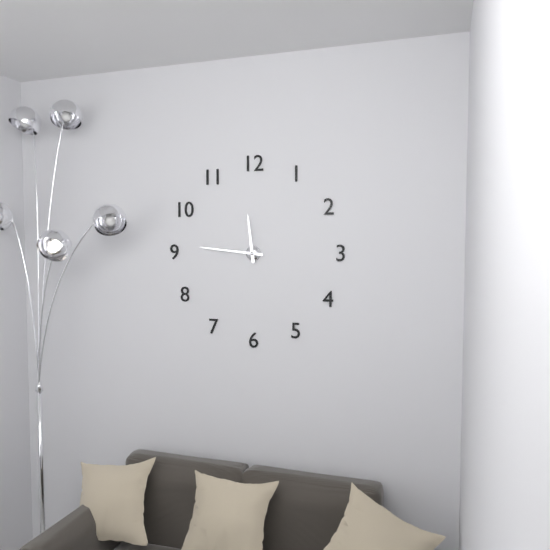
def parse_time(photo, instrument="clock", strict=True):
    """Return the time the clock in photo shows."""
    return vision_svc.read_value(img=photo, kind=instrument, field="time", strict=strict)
11:46
